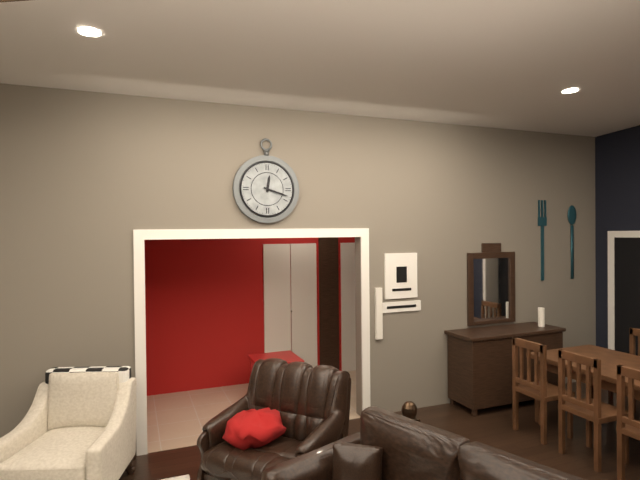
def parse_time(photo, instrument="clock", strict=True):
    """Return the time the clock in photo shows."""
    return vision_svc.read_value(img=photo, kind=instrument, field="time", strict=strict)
12:18
